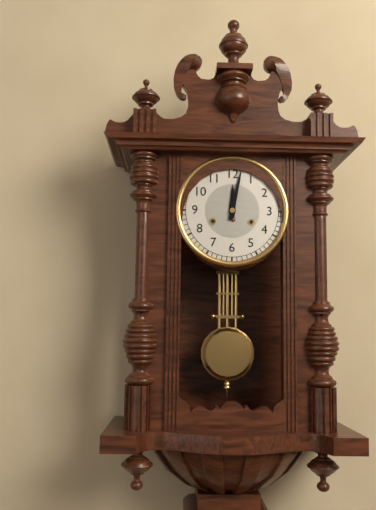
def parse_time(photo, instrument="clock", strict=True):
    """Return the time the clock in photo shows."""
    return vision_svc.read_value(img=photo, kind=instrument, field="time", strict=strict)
12:02
